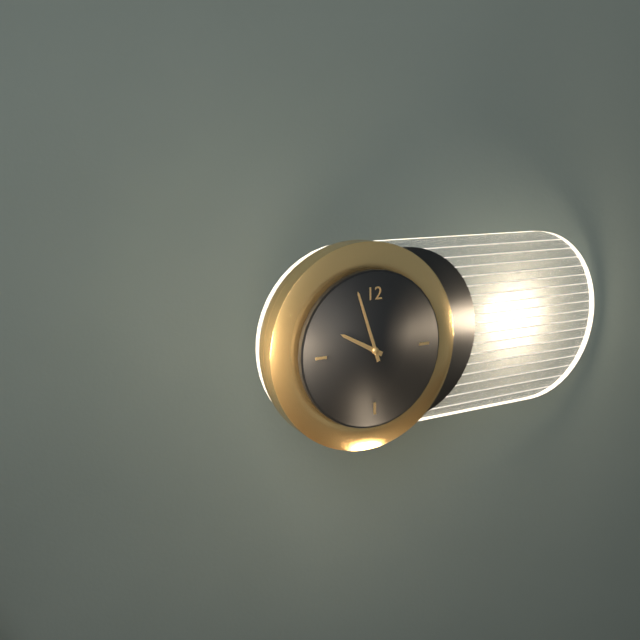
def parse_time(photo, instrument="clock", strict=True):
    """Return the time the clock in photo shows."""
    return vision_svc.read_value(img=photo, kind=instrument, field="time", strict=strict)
9:57
